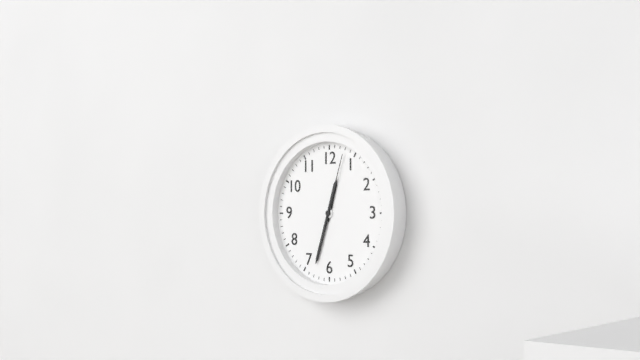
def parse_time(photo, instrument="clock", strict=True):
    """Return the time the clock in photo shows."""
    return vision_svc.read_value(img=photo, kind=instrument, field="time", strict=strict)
12:33:03
